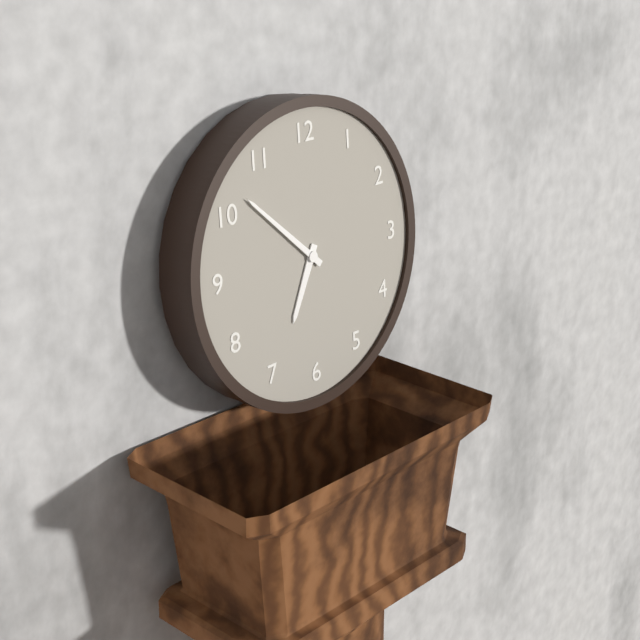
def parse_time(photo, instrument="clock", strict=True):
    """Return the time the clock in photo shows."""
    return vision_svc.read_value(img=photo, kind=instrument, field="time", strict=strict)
6:52
